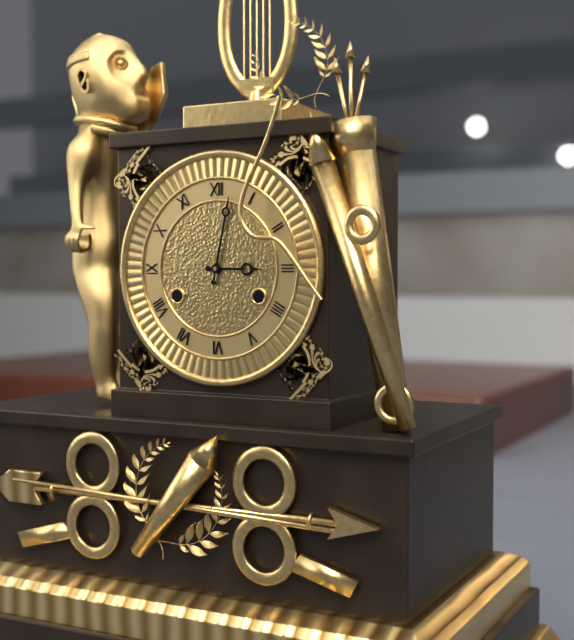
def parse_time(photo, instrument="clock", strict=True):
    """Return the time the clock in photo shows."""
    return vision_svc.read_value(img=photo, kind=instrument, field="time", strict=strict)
3:02
